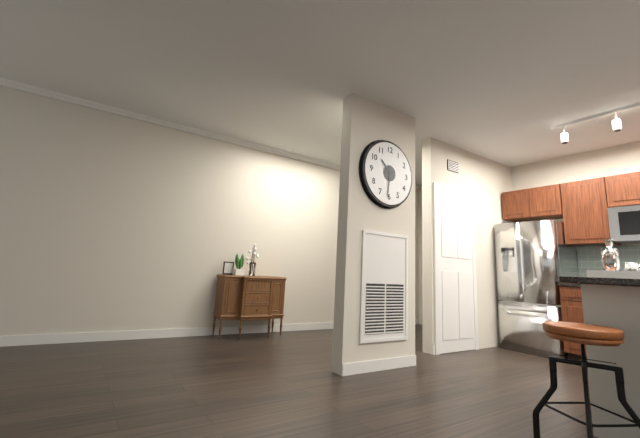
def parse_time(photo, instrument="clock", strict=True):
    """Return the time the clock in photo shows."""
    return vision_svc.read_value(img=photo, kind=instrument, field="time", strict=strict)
10:31
